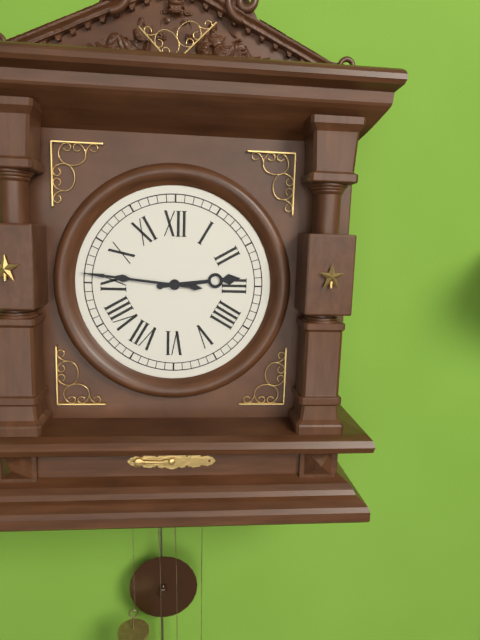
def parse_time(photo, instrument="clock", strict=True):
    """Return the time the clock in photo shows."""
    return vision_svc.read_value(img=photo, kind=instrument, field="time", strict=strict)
2:46
